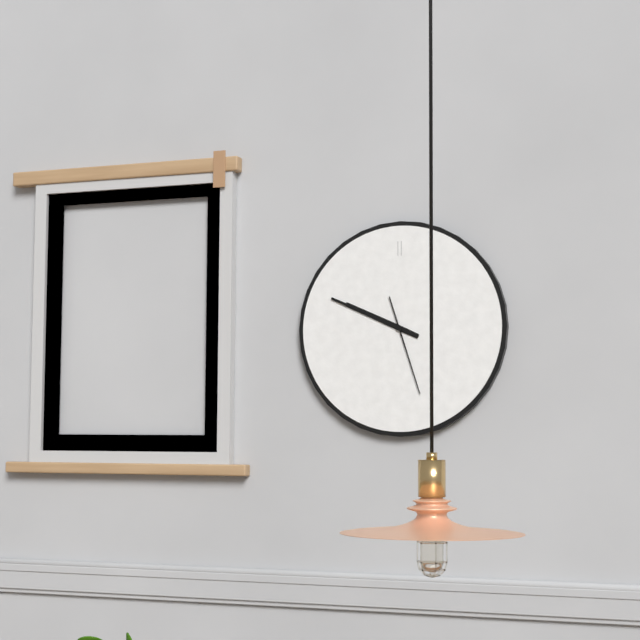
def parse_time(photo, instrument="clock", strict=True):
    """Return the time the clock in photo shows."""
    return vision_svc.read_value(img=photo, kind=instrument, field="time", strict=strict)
9:49:27
